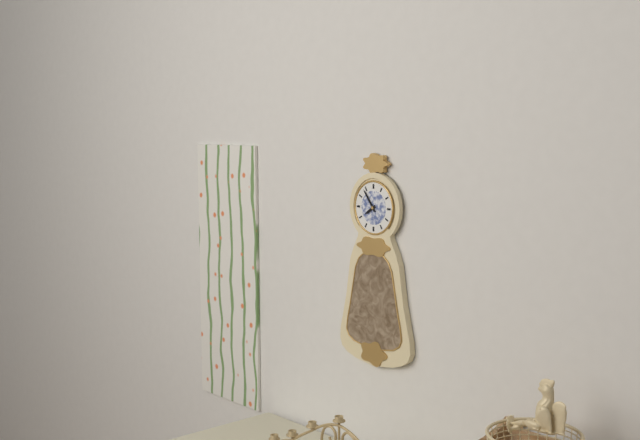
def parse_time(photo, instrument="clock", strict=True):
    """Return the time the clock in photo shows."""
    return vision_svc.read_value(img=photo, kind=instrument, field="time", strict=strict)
7:54
